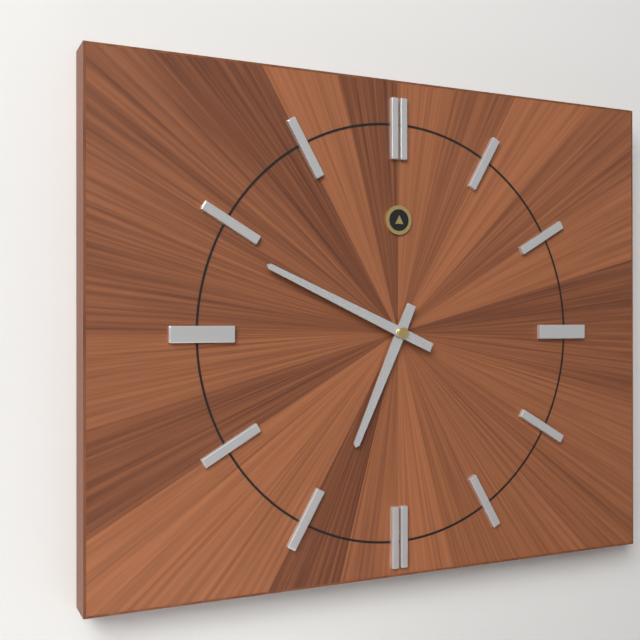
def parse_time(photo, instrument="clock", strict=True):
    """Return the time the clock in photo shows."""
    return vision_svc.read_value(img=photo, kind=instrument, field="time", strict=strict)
6:49
